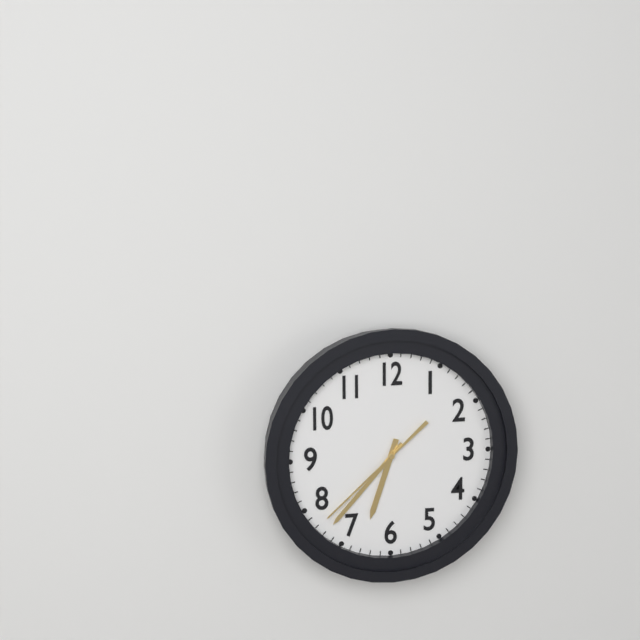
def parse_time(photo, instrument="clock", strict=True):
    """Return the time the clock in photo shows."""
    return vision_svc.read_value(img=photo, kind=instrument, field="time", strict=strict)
6:37:38
